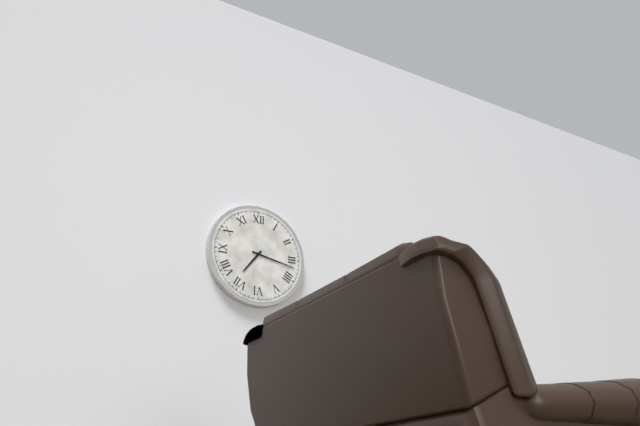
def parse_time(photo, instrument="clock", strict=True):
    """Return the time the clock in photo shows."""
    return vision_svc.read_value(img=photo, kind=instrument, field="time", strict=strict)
7:17
